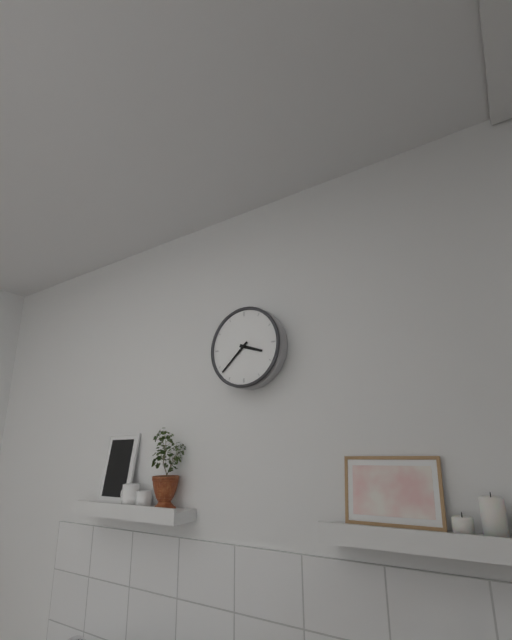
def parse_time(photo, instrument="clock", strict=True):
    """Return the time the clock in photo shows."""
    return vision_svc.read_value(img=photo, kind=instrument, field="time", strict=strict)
3:38
